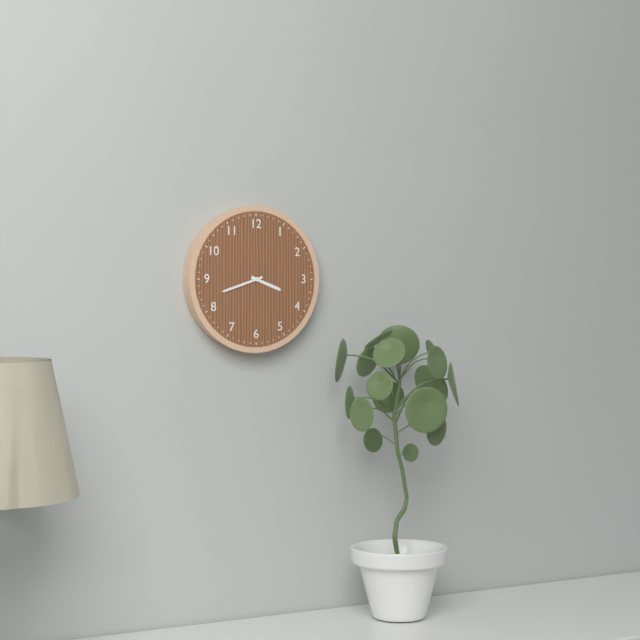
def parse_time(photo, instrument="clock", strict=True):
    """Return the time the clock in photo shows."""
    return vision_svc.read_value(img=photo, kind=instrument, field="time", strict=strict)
3:42
